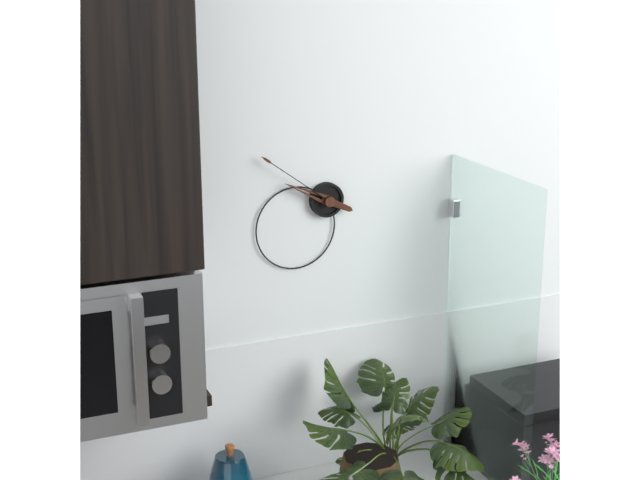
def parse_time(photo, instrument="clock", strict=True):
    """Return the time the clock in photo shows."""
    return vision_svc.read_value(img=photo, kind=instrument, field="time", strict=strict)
9:51
